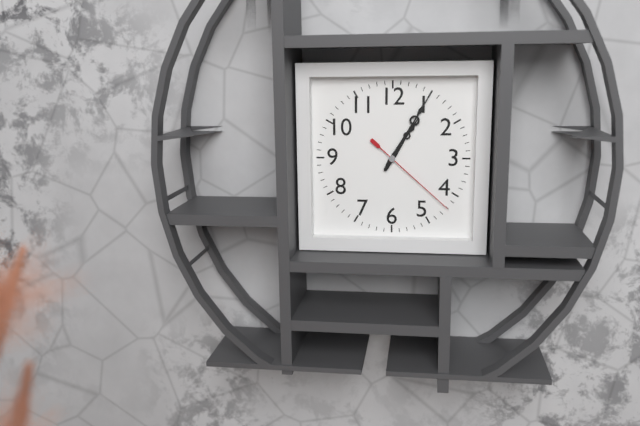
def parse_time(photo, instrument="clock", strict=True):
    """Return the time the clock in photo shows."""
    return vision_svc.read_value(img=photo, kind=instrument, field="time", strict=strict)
1:05:22
